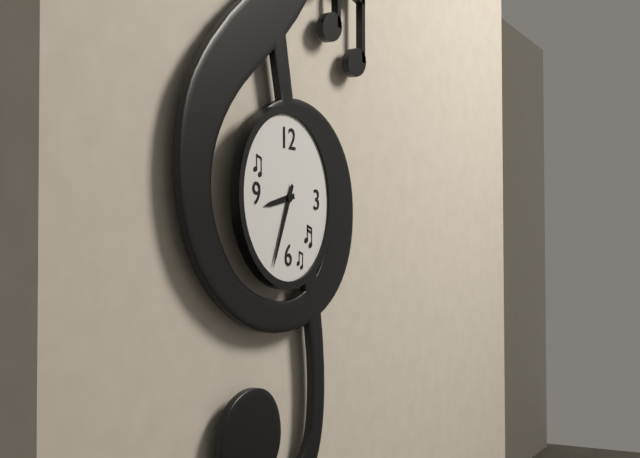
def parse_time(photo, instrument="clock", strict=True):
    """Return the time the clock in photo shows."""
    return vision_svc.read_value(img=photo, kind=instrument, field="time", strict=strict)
8:34
